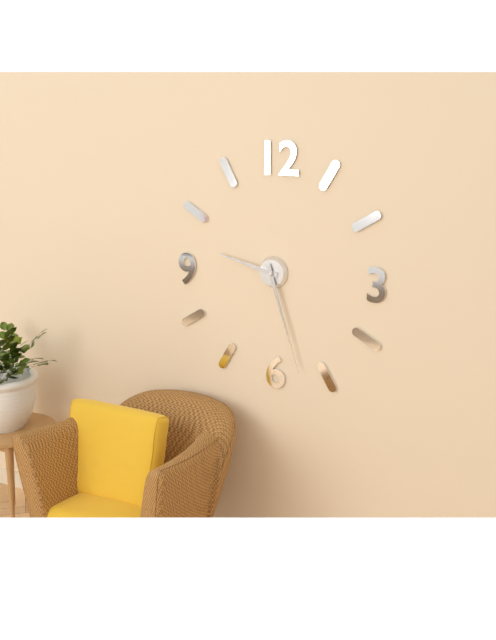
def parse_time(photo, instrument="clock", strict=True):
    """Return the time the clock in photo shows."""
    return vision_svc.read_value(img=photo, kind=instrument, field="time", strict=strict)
9:27
